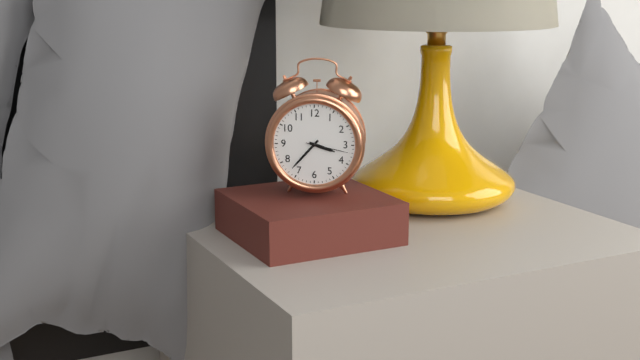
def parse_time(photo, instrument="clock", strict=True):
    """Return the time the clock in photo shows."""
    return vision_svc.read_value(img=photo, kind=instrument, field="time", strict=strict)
3:37
